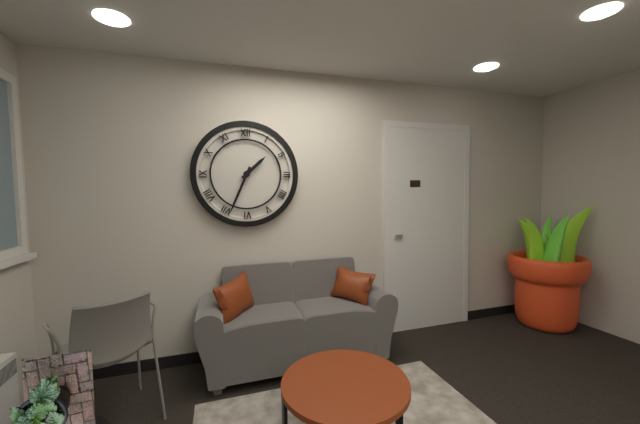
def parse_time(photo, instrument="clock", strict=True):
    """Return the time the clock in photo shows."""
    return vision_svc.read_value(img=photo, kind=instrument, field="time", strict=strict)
1:34
